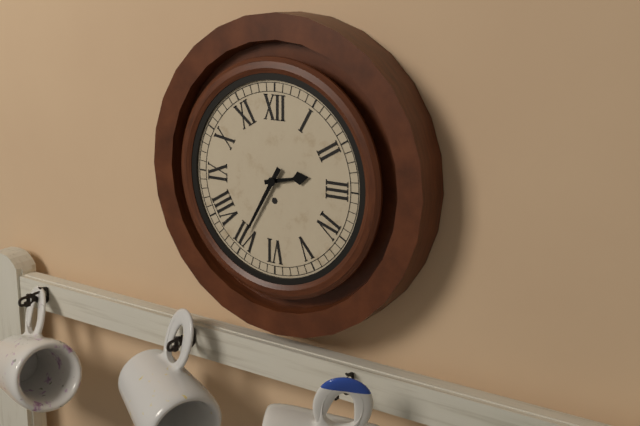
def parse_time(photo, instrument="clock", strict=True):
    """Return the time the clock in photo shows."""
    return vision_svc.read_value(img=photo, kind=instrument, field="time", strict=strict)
2:35
